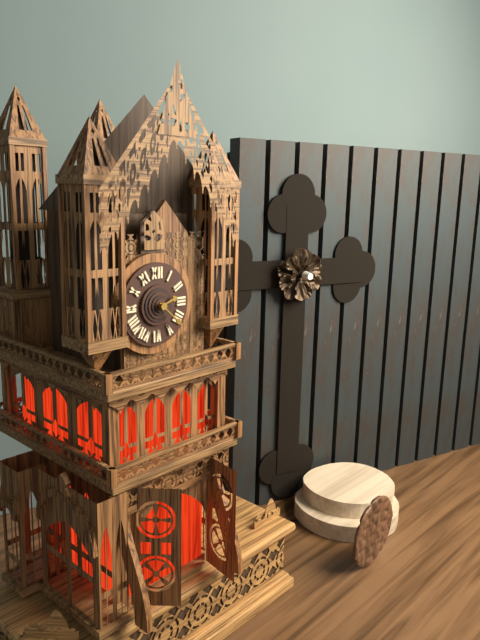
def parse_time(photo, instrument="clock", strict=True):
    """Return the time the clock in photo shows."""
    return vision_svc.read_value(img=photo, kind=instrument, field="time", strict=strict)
2:22
